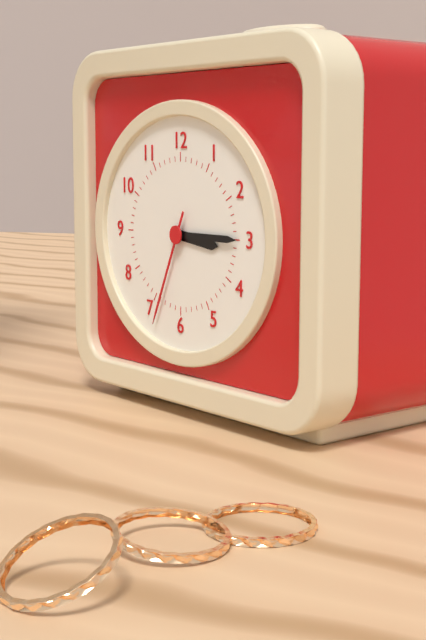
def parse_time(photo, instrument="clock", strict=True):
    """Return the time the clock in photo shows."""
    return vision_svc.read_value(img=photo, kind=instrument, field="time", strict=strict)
3:15:34
